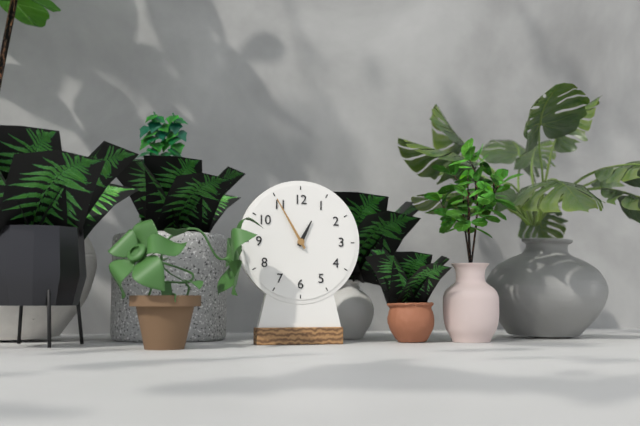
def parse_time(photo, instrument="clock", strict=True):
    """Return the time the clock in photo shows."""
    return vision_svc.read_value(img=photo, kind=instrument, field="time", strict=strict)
12:55
